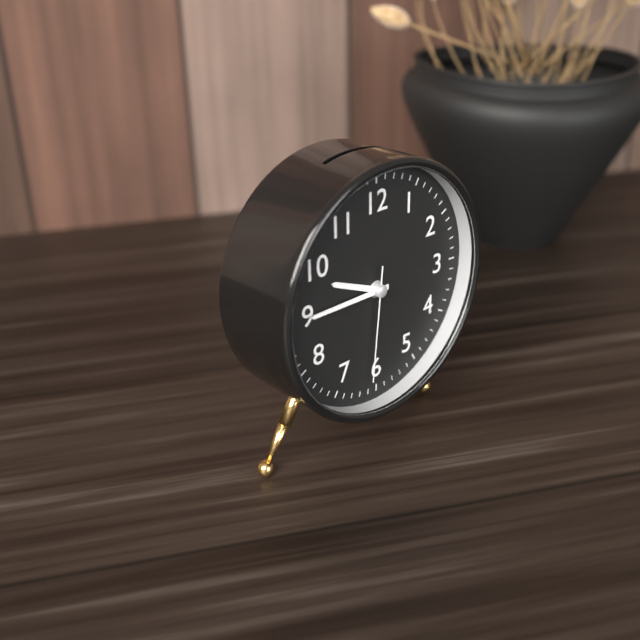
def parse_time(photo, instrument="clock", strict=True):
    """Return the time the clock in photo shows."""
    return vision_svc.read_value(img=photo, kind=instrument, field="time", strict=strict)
9:45:31
